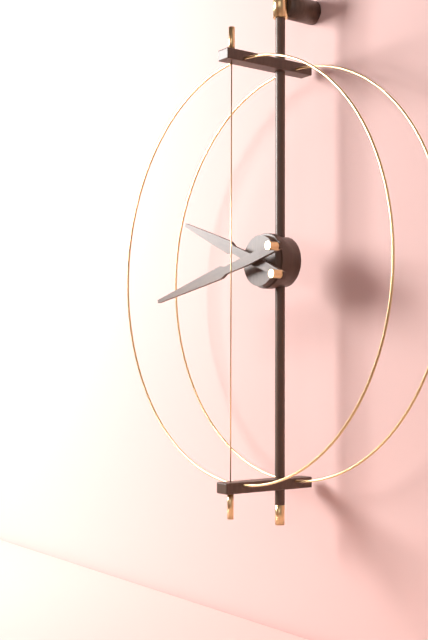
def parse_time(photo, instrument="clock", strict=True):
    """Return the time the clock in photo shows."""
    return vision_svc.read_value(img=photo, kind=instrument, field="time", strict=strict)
9:43
